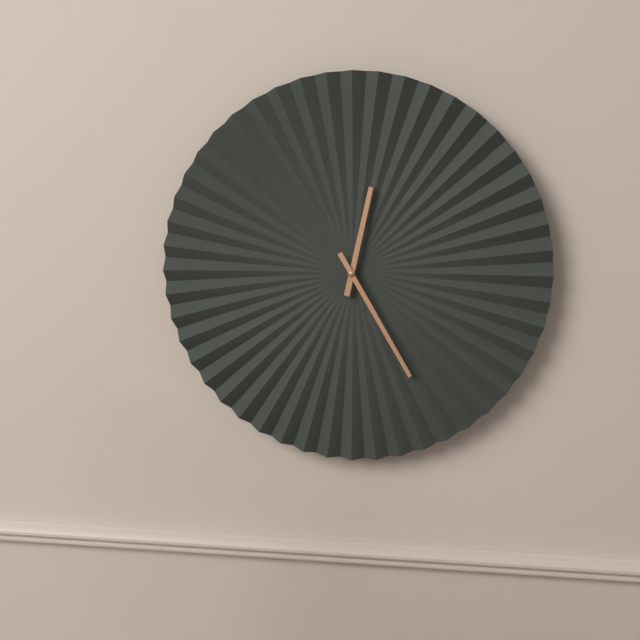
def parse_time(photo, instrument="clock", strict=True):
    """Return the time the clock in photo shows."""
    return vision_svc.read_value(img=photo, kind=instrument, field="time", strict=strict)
12:25
